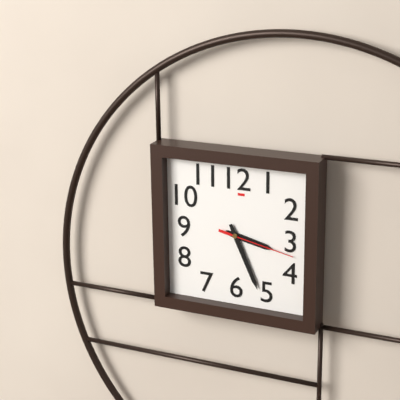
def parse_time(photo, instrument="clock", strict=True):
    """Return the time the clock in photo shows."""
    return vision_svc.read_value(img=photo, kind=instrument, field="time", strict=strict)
3:26:17
